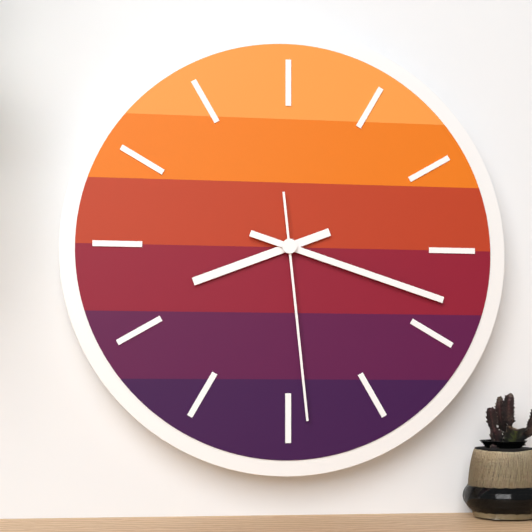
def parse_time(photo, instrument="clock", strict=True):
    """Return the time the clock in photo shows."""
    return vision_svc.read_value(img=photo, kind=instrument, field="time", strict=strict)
8:18:29
